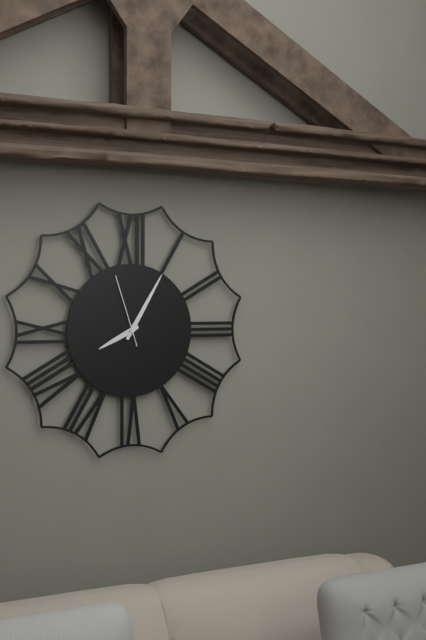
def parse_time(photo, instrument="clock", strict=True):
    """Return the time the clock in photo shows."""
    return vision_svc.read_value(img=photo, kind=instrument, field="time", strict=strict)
8:05:57
